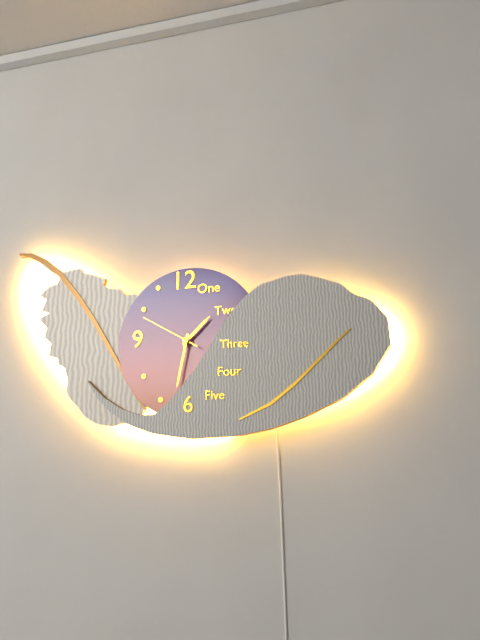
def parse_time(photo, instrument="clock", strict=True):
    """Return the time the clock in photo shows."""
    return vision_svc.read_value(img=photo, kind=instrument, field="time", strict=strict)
1:32:50
